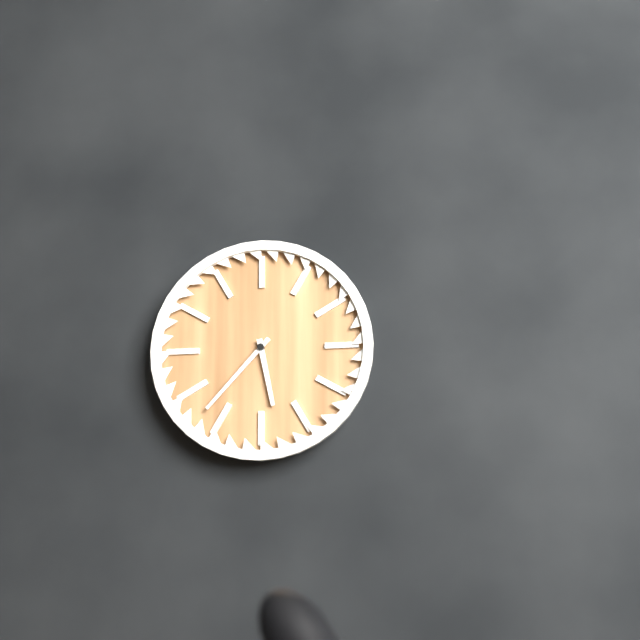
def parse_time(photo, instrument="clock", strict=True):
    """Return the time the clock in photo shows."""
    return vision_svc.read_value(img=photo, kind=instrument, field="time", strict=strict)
5:37
